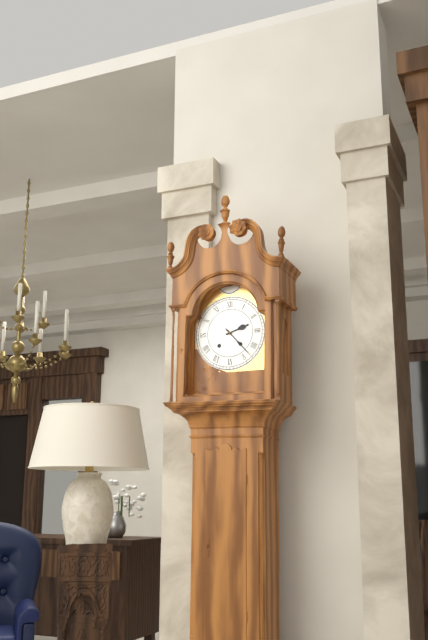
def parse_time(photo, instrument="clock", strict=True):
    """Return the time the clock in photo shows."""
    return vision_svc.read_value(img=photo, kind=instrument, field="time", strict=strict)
2:23
